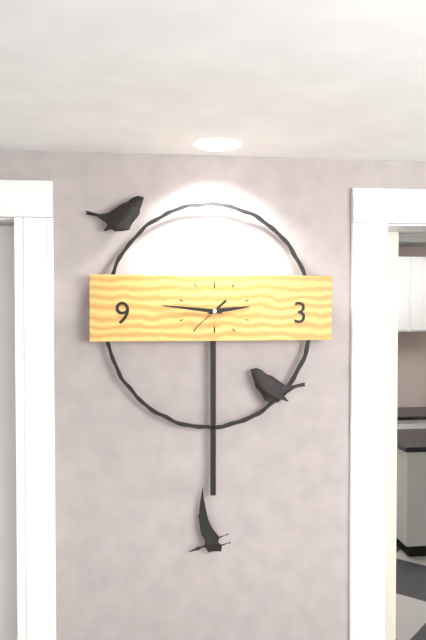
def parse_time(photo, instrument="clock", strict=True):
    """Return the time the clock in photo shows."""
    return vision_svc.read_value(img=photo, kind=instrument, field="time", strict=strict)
2:46
